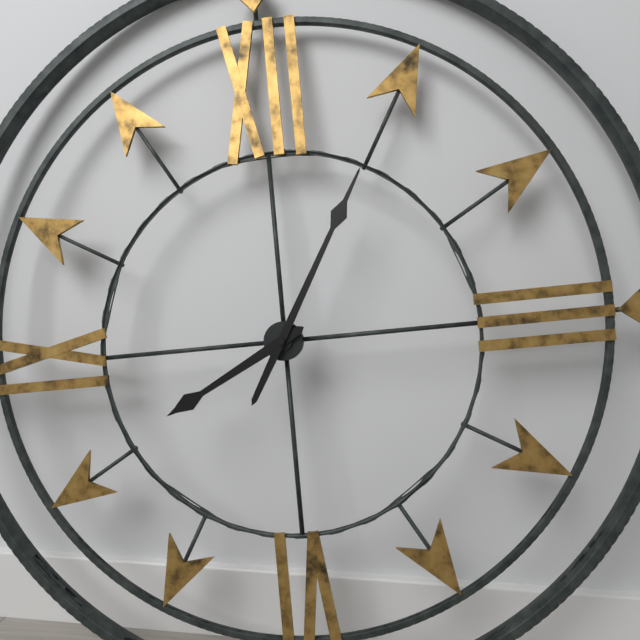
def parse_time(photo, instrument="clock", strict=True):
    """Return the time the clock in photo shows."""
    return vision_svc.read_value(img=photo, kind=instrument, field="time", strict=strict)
8:05
